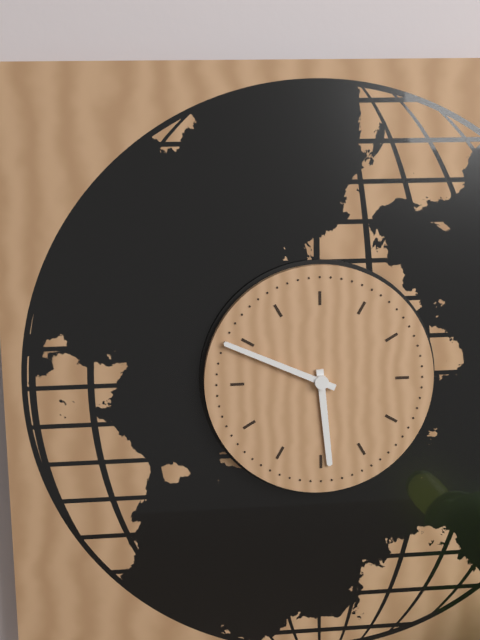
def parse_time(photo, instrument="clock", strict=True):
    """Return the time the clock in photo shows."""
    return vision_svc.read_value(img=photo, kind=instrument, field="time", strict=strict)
5:49
